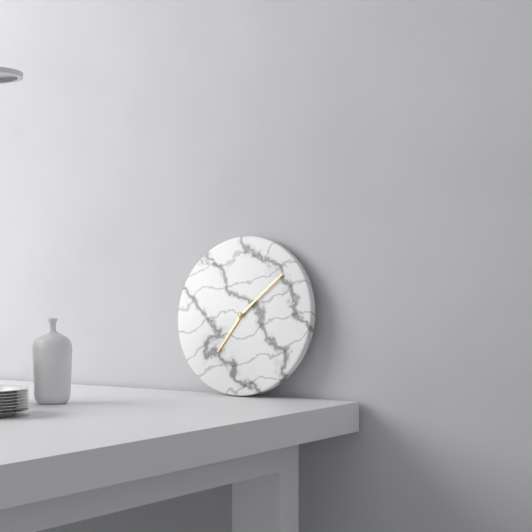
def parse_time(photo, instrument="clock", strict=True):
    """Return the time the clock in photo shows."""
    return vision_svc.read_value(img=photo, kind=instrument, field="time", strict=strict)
7:08
